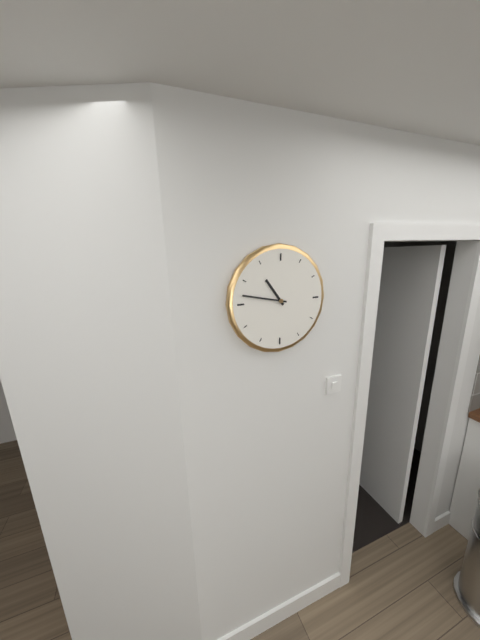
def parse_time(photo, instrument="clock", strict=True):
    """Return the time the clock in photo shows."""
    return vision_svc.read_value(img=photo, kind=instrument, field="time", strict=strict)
10:47
